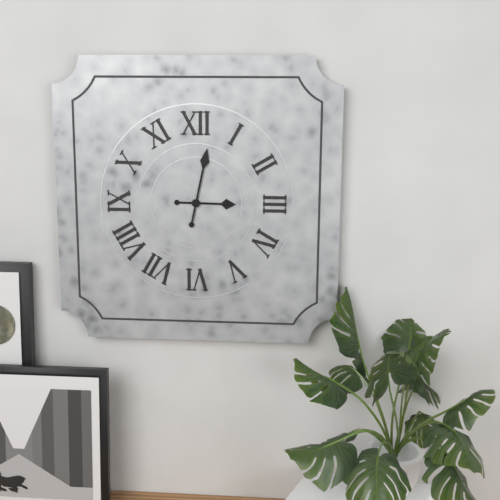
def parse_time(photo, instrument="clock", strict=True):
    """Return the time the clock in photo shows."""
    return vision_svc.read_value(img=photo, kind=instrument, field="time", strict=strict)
3:02
